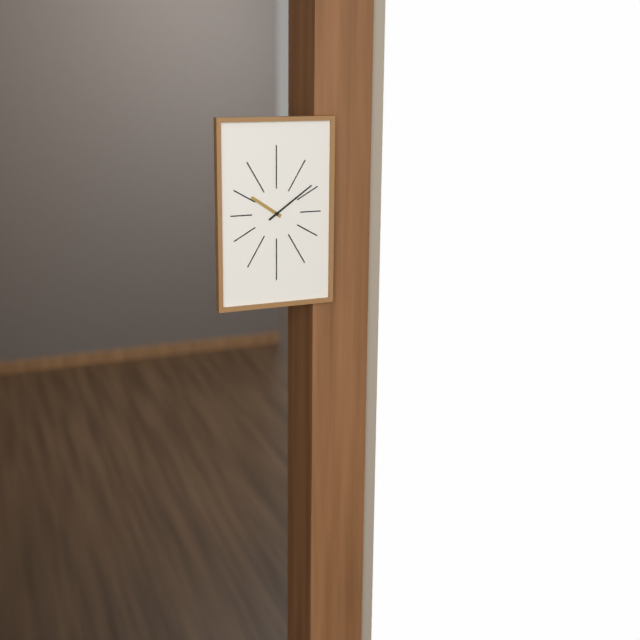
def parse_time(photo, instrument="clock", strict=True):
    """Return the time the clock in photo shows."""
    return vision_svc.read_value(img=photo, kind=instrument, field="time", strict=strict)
10:09
